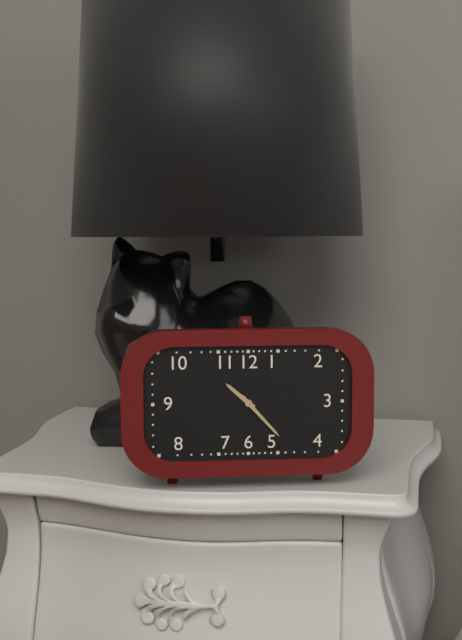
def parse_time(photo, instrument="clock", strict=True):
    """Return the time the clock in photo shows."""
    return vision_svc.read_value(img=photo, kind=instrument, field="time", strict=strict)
10:23
